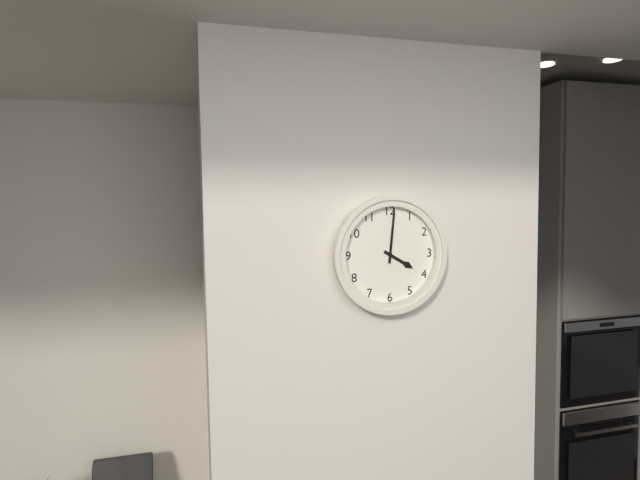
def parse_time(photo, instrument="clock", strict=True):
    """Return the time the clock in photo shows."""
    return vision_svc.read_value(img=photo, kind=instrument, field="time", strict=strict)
4:01
